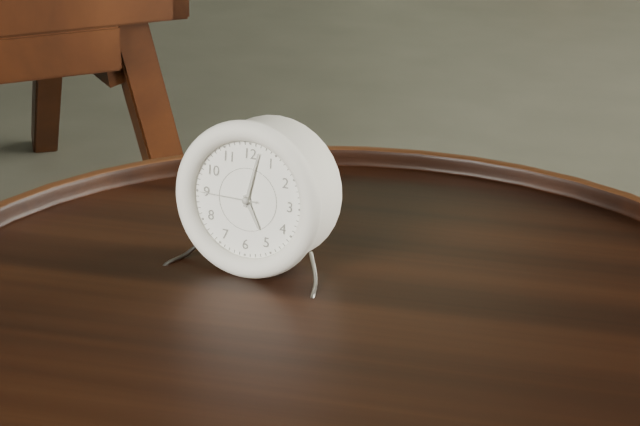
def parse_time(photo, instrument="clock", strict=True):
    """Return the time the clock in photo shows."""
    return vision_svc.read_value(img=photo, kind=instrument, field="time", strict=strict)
5:02:45
